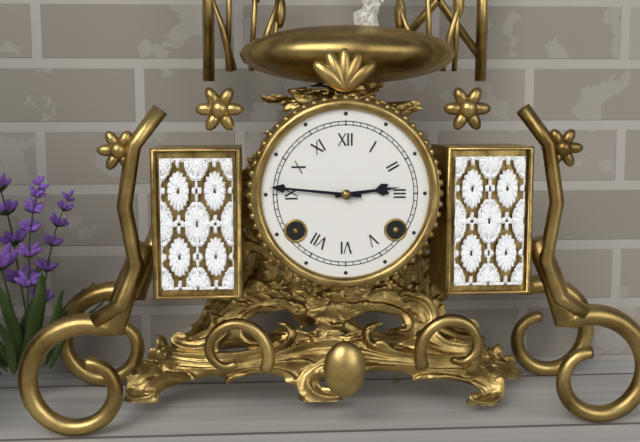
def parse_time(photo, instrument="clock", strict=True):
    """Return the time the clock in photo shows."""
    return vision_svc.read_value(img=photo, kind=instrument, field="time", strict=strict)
2:46
